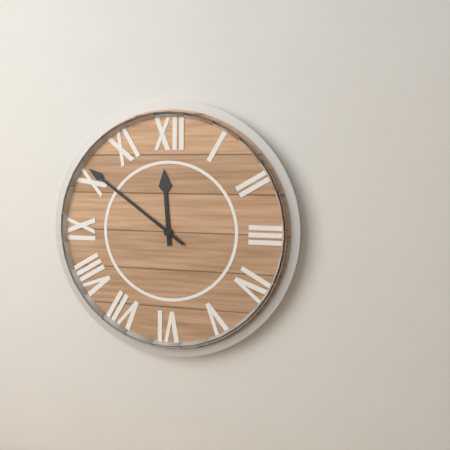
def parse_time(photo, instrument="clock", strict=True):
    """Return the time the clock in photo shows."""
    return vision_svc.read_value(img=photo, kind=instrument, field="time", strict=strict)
11:51
